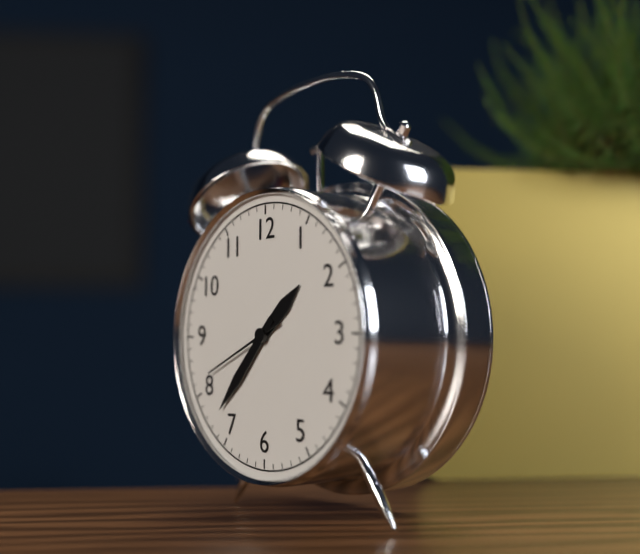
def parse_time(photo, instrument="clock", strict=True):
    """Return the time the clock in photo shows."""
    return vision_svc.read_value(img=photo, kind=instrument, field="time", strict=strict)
1:37:41
